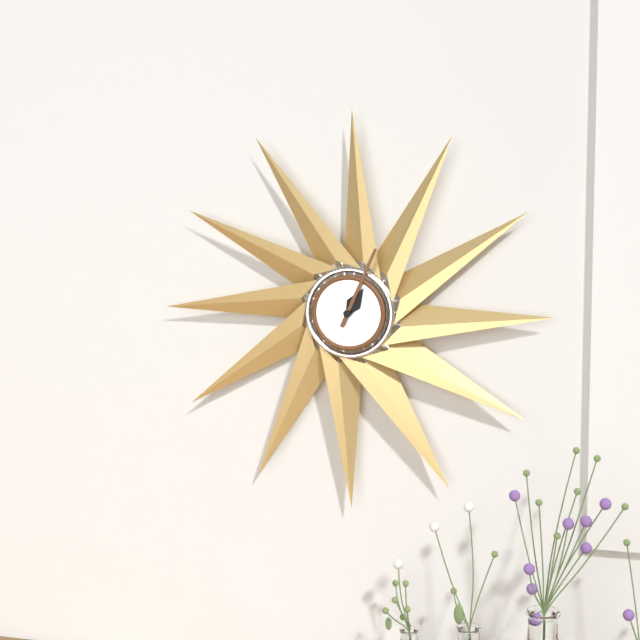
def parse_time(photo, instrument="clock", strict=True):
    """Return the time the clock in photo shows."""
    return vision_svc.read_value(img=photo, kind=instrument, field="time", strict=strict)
1:04
